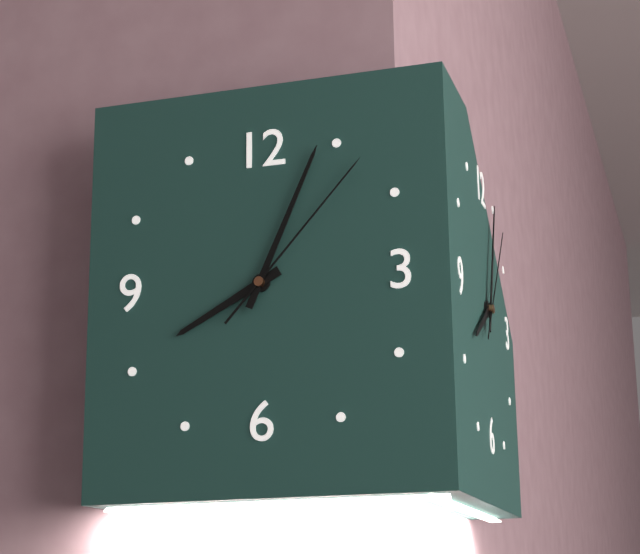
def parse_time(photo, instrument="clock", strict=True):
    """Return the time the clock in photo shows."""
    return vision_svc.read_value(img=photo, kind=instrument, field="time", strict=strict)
8:04:07
